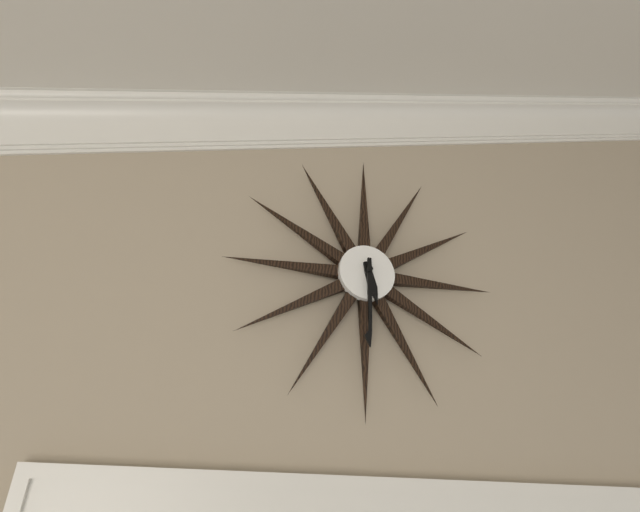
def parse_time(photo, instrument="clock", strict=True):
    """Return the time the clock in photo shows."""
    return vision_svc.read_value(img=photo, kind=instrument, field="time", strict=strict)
5:30
